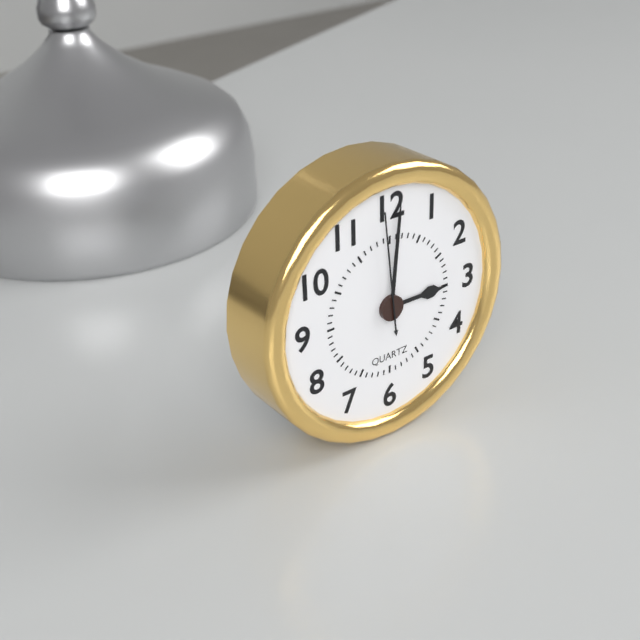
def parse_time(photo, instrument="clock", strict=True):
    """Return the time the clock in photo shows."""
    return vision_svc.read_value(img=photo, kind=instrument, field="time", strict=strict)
3:01:59
